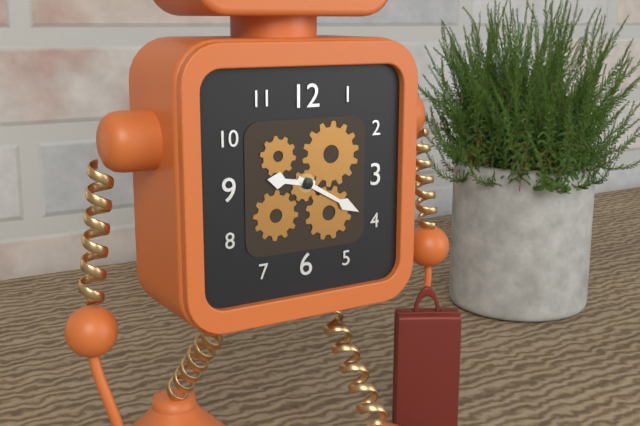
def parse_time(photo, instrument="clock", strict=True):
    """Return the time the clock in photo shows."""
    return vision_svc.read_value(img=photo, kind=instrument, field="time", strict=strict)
9:20
